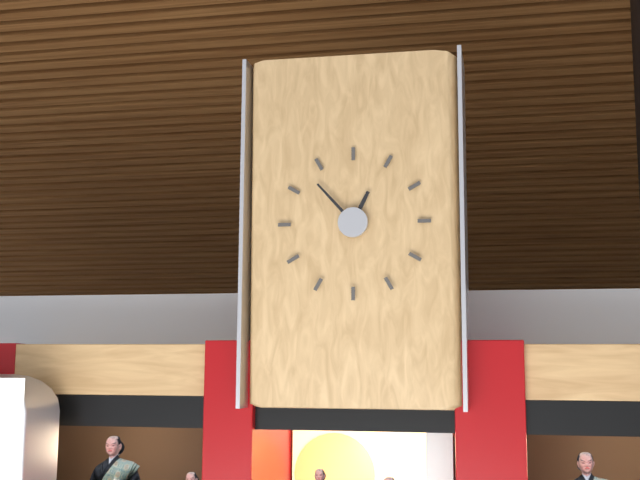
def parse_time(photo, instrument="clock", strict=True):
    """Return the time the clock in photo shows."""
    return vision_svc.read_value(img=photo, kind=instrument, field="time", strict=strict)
12:53
